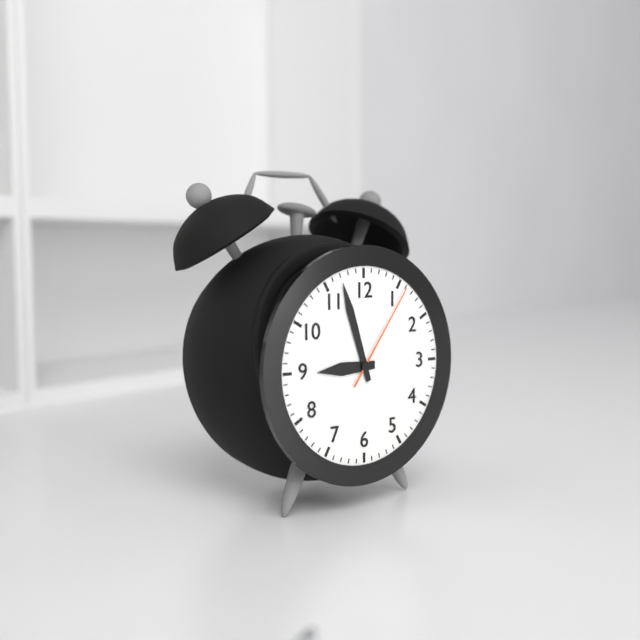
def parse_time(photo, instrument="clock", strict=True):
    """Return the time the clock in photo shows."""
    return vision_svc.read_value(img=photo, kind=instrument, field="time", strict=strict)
8:57:06
